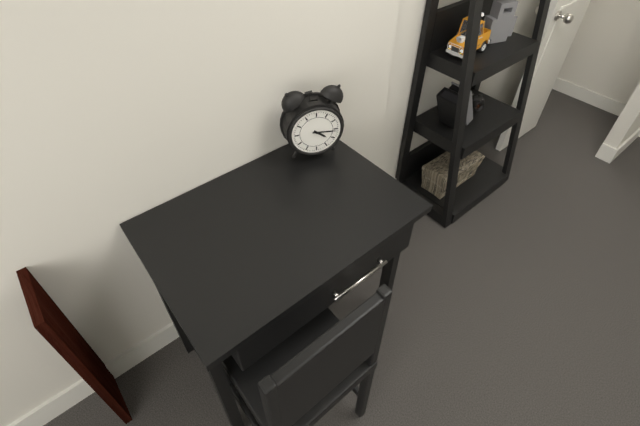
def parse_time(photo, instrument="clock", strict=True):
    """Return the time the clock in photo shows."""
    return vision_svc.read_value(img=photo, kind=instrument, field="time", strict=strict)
4:16
